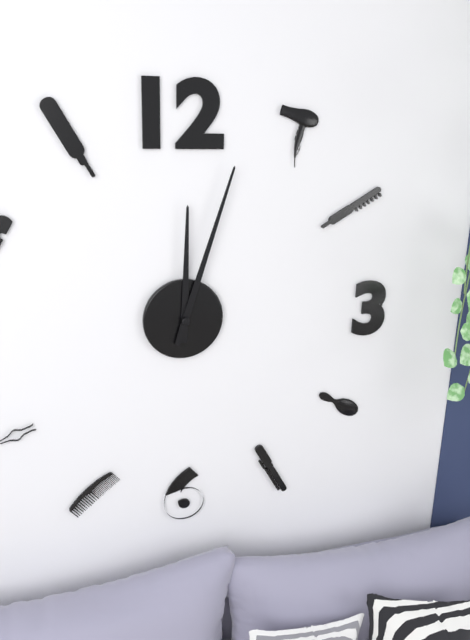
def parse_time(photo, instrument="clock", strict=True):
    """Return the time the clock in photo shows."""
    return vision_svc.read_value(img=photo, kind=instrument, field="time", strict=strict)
12:03
